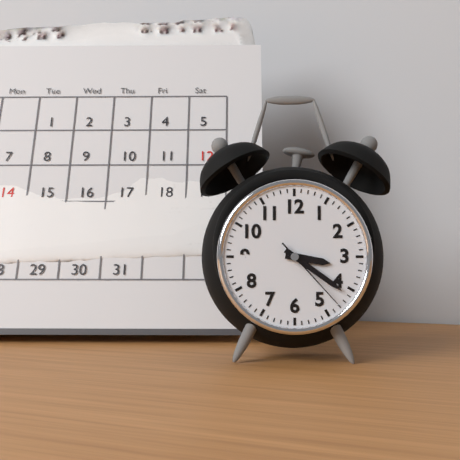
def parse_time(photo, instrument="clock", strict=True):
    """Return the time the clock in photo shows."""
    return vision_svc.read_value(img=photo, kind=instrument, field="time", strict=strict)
3:21:23
